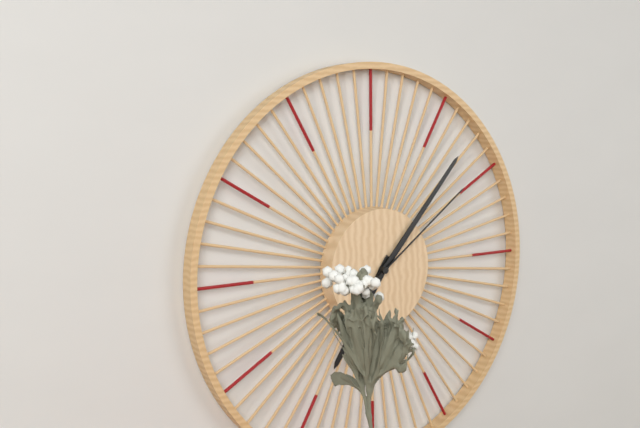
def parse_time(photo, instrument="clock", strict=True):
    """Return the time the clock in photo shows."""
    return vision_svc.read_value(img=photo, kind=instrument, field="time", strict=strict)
7:07:09
